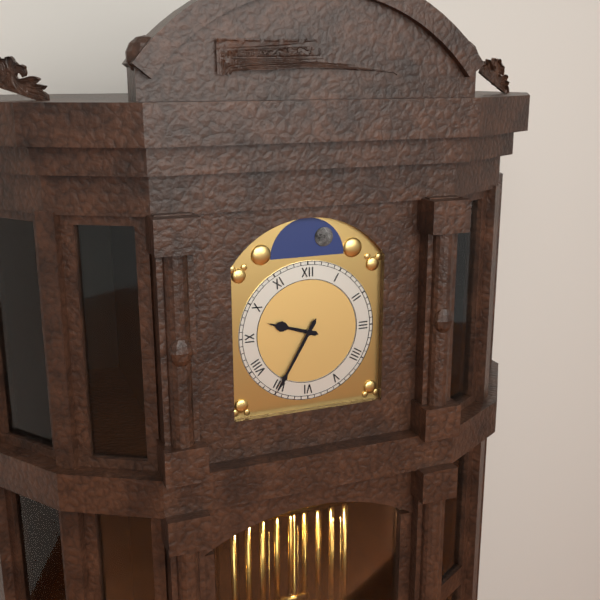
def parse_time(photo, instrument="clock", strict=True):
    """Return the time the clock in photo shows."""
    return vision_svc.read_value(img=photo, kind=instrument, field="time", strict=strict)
9:35
